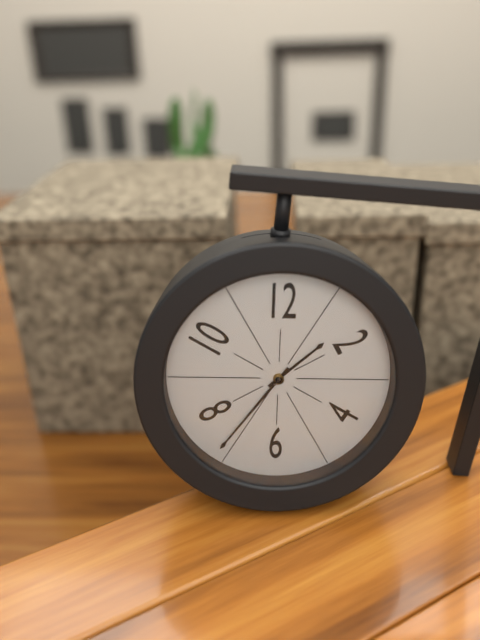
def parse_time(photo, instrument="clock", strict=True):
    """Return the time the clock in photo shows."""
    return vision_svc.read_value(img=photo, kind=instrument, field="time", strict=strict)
1:36
